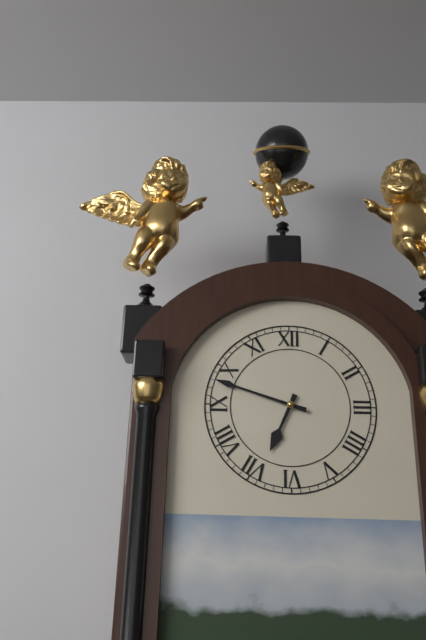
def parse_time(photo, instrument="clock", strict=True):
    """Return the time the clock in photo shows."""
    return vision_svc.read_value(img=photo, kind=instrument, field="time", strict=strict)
6:48
